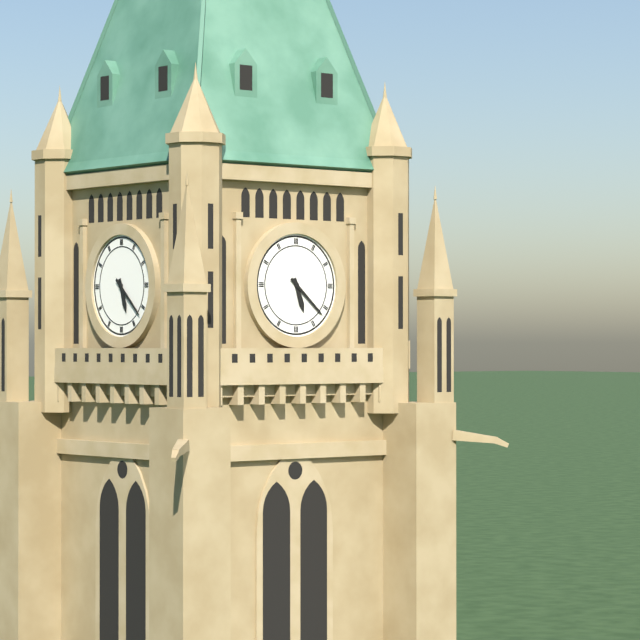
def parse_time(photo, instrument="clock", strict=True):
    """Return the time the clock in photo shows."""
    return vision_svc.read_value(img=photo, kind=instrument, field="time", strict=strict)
5:22
